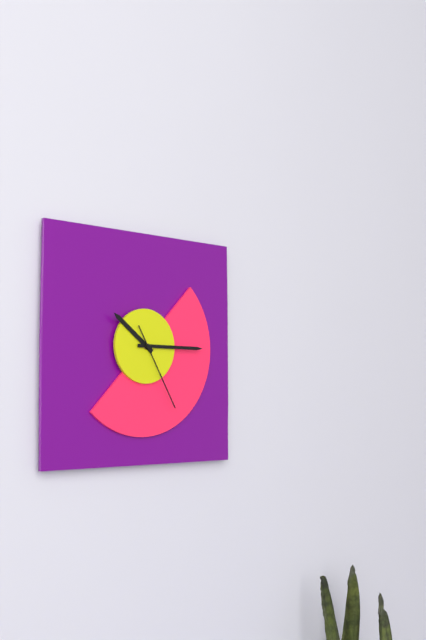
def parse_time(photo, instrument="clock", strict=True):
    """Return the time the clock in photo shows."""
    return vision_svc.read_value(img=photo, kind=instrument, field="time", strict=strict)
10:15:25
